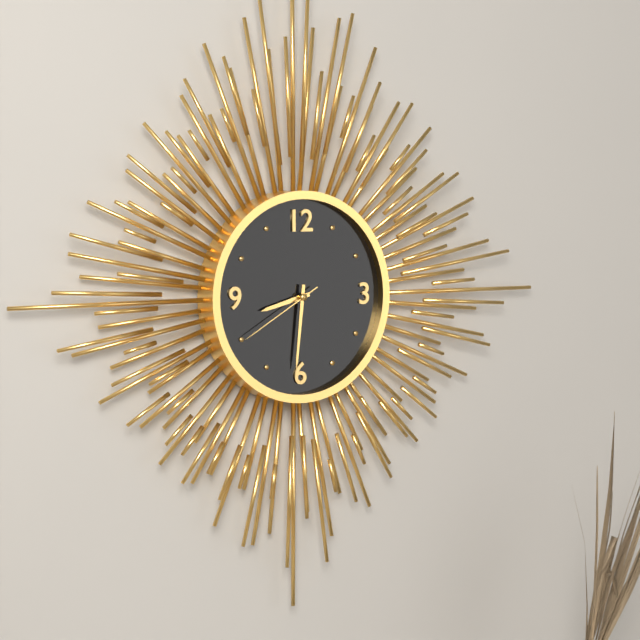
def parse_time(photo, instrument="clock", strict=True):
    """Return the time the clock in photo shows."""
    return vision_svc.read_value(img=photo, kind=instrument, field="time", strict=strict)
8:31:40
